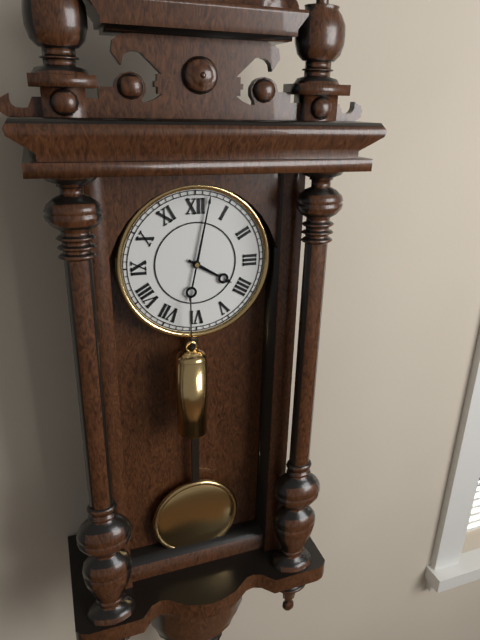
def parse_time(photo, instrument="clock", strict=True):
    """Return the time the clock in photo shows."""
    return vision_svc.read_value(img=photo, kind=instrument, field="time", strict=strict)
4:02
